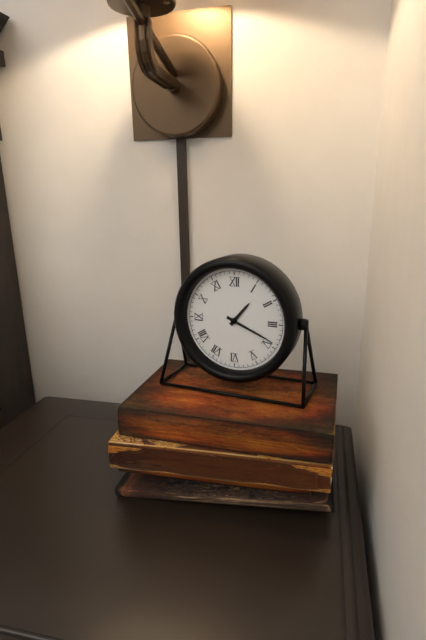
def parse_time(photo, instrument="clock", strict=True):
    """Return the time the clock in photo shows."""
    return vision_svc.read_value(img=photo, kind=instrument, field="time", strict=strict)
1:19
